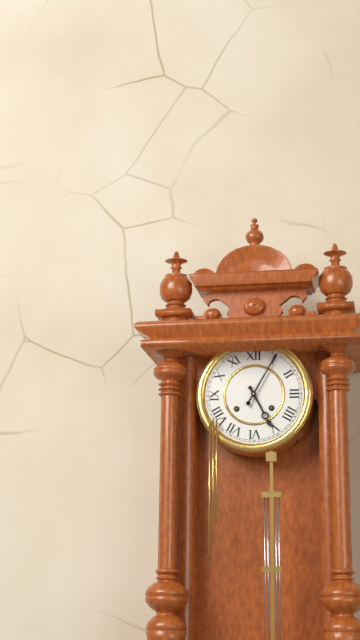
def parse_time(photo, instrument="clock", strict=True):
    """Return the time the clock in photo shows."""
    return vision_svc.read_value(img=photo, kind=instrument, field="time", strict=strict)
5:05
